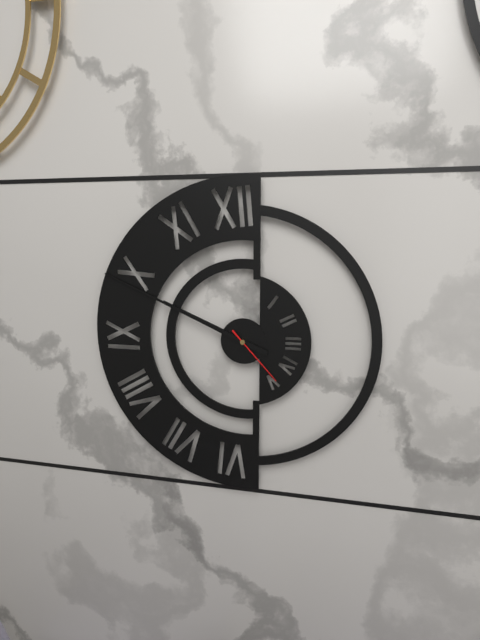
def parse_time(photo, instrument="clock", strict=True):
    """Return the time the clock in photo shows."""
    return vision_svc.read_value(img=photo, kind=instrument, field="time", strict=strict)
9:49:23
